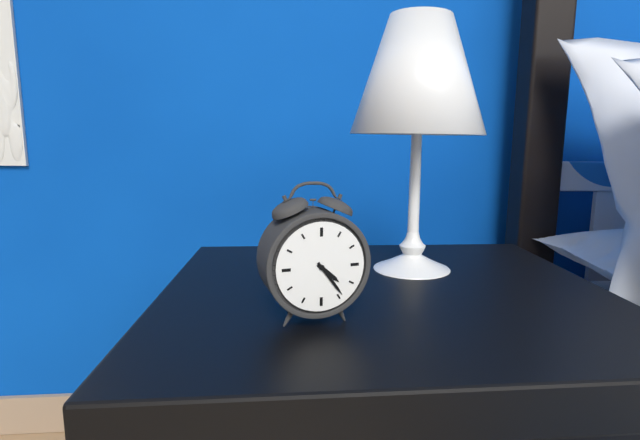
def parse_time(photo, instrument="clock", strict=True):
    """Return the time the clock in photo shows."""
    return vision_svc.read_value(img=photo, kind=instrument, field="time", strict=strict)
4:24
